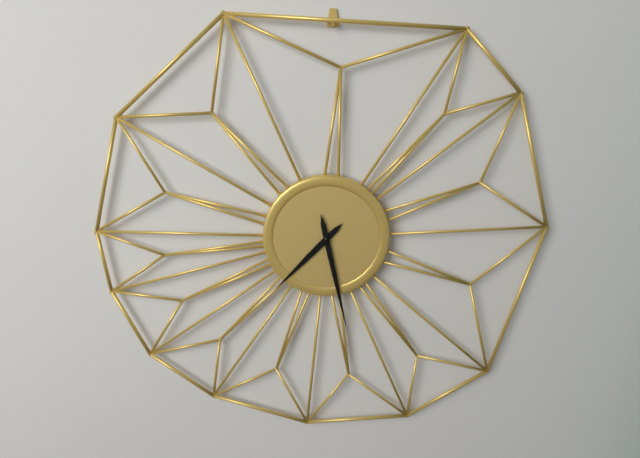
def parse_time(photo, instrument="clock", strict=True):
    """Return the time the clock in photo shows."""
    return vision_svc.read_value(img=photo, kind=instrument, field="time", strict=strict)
7:28
